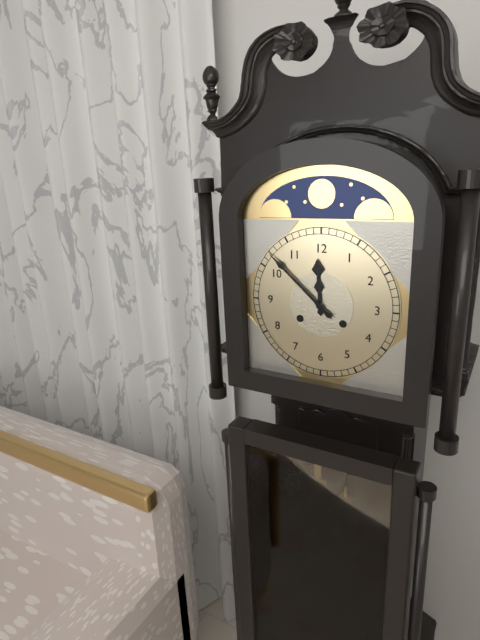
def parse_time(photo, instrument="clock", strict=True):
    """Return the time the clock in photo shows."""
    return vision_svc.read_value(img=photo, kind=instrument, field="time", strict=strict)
11:52
